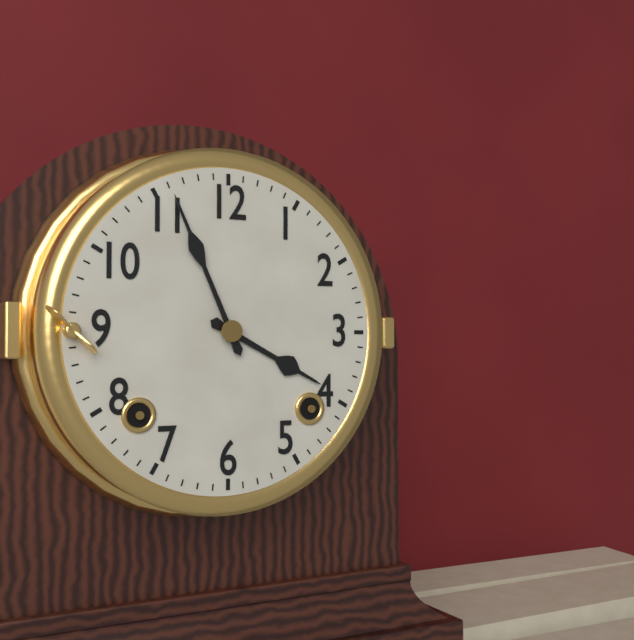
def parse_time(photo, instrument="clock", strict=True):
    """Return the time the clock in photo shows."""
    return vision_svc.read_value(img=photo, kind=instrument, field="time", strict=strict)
3:56
